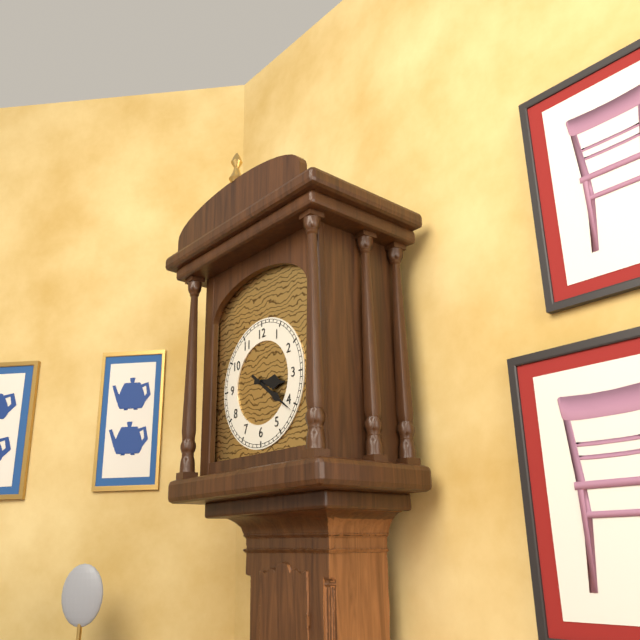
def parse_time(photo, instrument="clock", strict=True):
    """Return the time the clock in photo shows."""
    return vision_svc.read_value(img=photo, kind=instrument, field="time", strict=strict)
3:21
